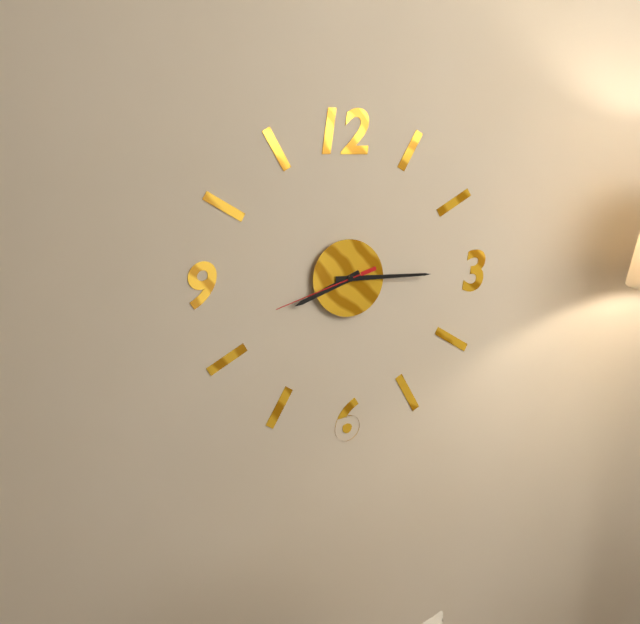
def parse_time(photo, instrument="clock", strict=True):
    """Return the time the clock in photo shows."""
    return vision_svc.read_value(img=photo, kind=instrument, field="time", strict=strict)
8:15:42
